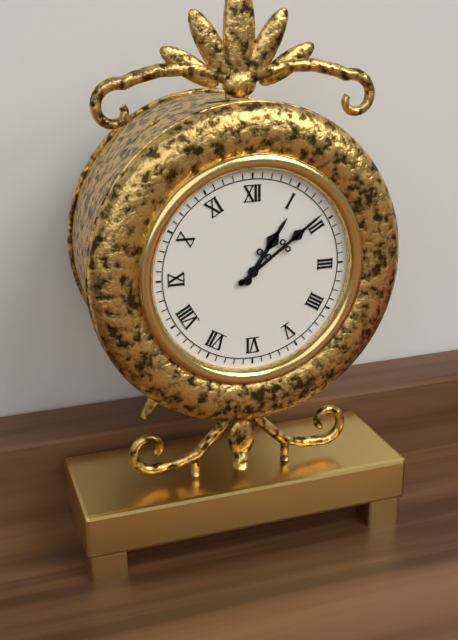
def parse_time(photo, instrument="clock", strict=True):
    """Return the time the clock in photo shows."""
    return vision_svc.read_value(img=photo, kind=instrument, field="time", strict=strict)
1:09
